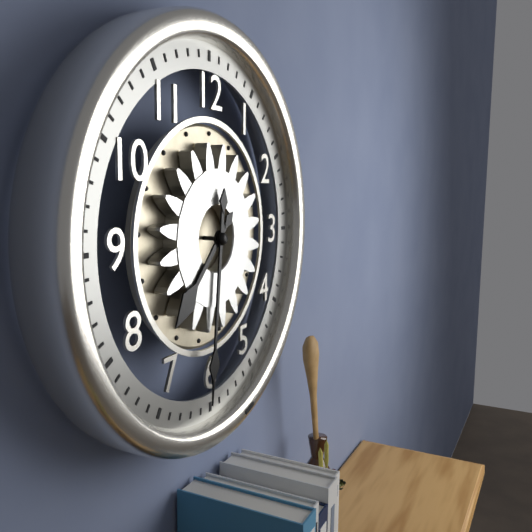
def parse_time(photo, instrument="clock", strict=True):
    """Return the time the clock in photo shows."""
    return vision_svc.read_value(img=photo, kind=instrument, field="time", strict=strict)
7:31
